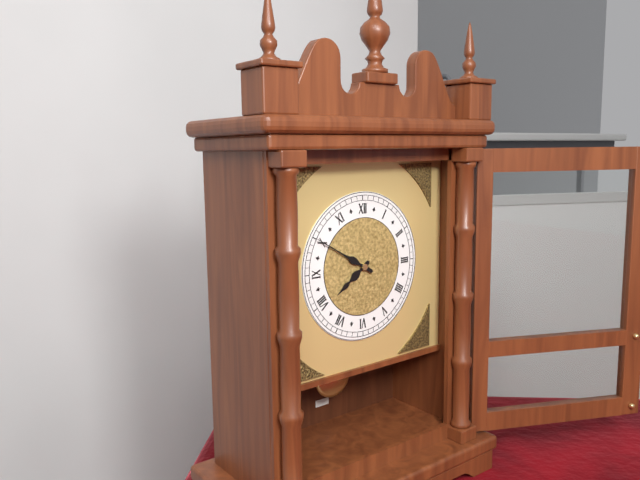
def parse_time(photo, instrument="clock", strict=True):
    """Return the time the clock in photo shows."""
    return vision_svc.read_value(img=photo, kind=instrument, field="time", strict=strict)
7:50
